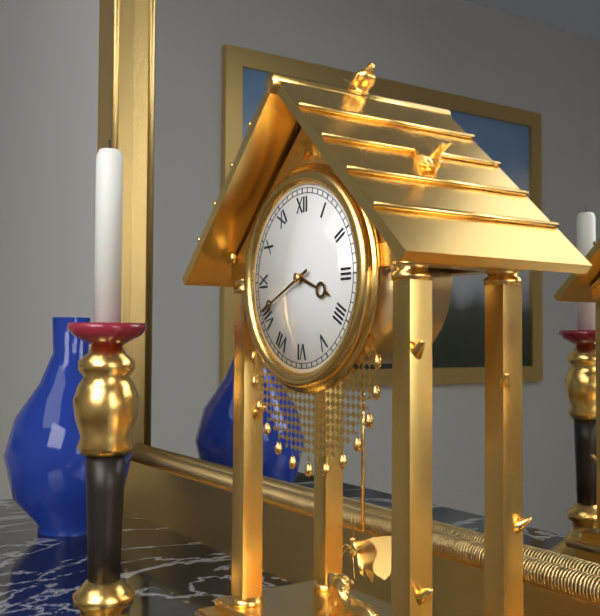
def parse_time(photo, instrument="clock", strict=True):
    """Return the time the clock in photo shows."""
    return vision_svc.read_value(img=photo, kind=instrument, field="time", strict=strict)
3:41
